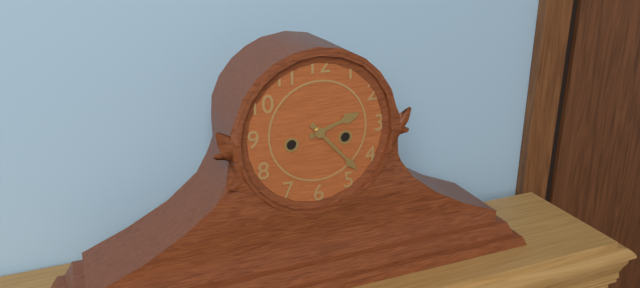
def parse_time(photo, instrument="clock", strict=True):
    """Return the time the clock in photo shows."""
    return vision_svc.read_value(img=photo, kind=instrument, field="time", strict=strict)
2:23
